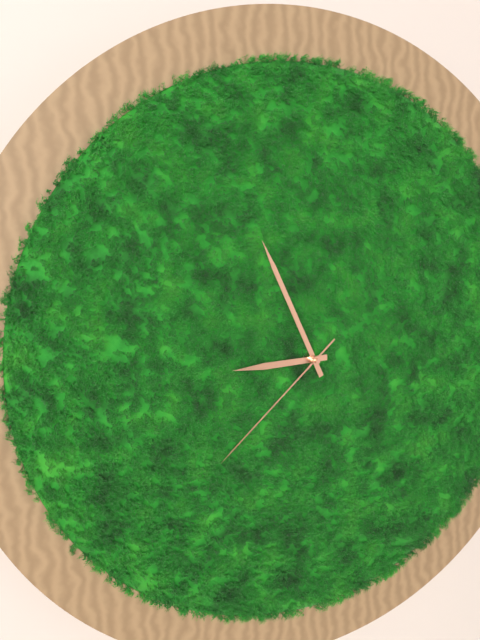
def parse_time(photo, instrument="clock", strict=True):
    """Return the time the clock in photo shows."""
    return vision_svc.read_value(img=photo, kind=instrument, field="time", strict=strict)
8:56:38
